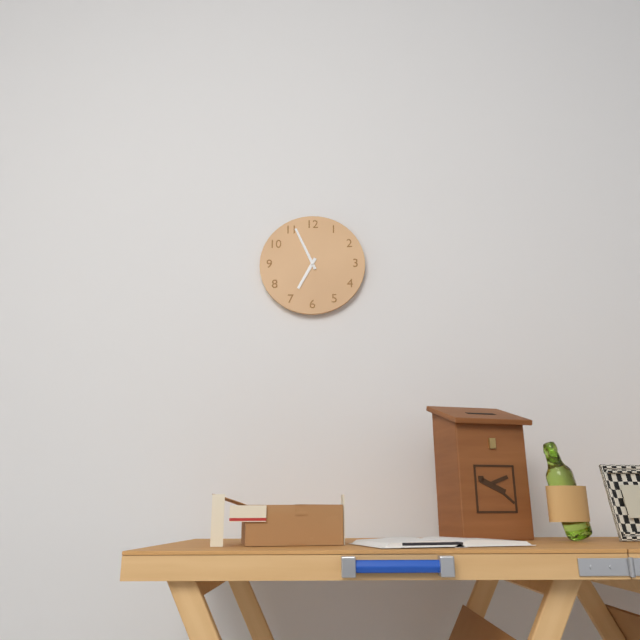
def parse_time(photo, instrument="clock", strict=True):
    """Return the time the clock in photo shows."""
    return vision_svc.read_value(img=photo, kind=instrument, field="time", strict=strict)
6:56
